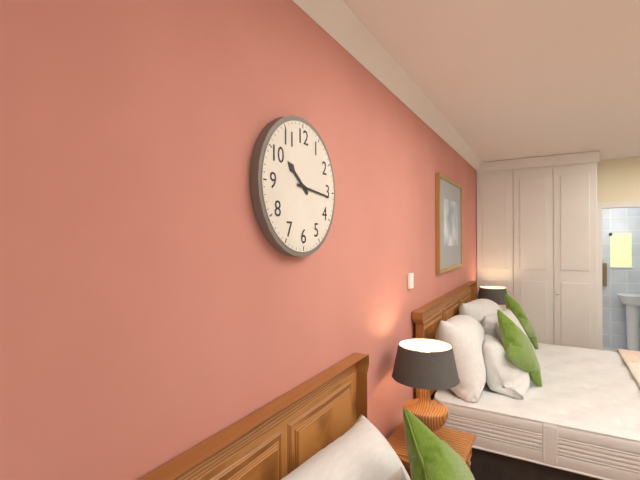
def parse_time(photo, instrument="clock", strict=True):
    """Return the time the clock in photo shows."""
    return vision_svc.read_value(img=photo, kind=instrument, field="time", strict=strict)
10:16
